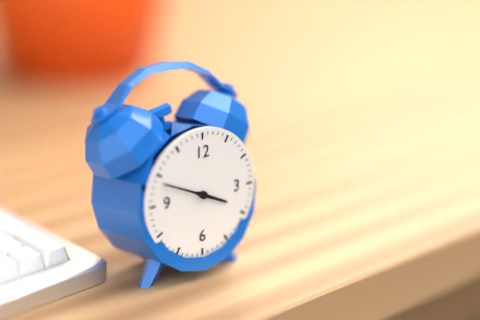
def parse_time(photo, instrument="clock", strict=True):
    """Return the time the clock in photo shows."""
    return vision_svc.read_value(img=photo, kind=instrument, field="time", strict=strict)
3:49
